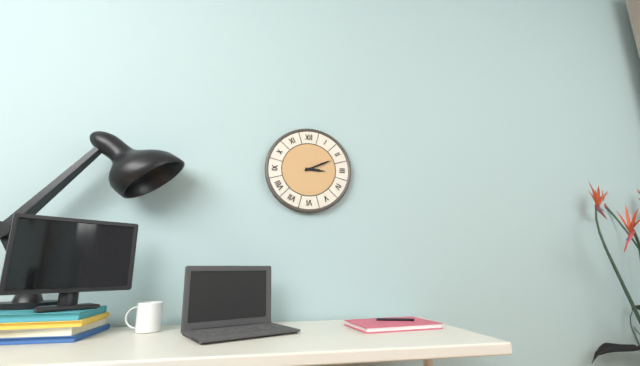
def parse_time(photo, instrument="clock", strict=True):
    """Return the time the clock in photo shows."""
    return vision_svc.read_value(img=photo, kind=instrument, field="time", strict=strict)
3:11
